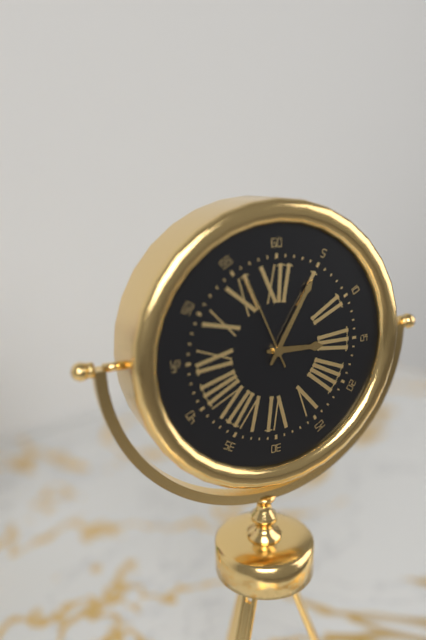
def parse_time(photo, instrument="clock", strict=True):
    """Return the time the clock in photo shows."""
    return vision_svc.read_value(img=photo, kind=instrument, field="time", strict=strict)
3:05:56
